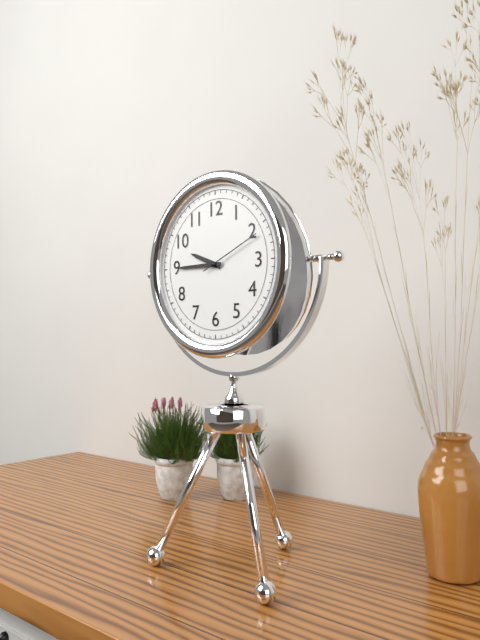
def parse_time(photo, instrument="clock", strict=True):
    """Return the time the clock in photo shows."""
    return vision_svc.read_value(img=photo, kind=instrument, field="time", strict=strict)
9:45:11
